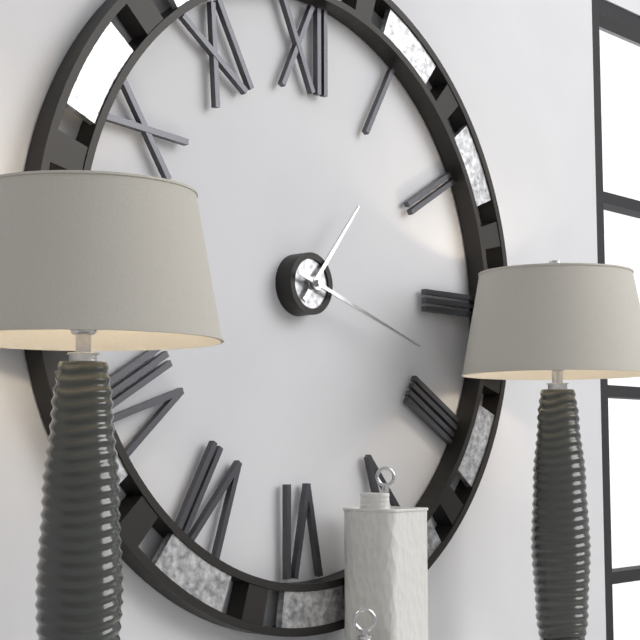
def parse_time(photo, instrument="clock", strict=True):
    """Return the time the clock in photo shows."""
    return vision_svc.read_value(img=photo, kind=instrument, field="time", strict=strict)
1:18
